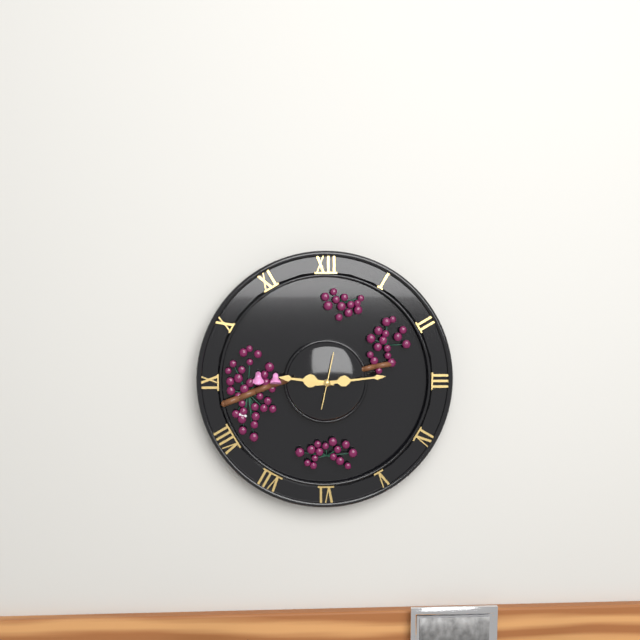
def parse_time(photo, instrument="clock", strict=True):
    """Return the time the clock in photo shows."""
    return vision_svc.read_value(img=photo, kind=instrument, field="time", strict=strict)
9:14
